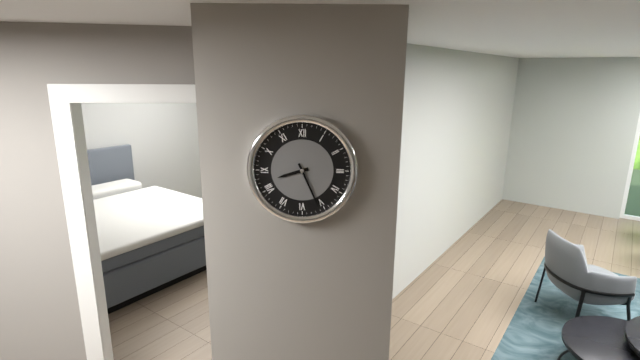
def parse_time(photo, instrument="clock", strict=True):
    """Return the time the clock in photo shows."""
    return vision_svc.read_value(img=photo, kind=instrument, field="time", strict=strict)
8:26
